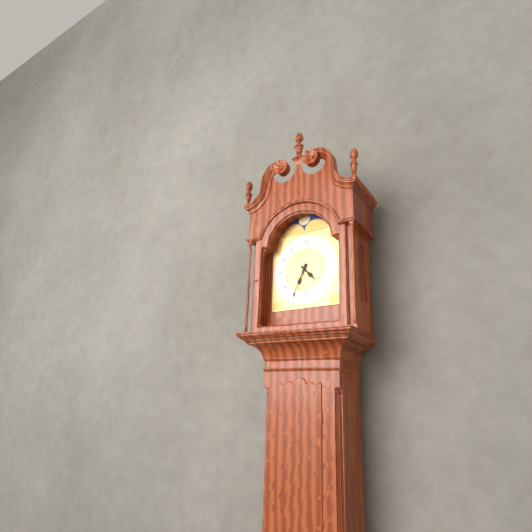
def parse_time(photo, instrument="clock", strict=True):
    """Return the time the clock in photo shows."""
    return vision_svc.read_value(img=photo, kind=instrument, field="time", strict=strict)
4:34
